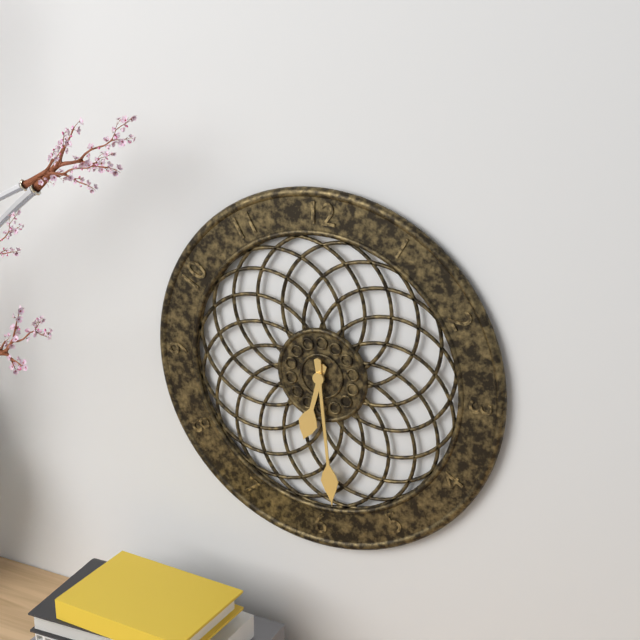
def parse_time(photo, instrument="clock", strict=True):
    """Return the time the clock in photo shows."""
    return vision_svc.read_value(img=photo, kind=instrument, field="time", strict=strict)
6:29
